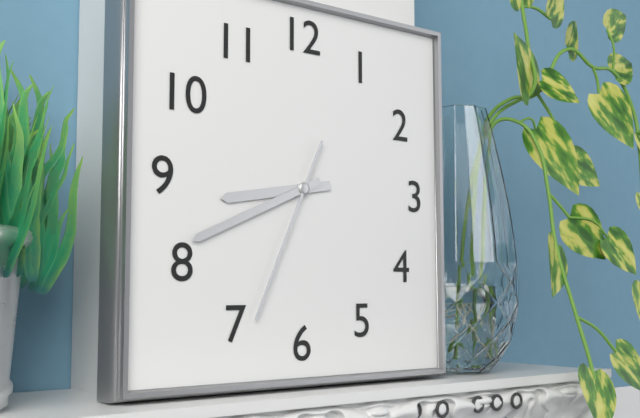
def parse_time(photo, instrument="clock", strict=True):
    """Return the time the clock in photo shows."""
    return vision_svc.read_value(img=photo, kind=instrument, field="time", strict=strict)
8:41:34
